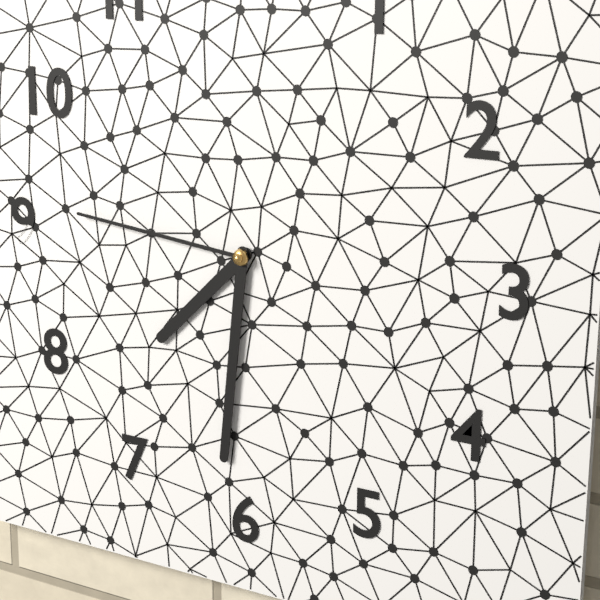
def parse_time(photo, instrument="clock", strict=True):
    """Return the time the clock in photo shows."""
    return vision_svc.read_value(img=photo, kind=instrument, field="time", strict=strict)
7:31:46
